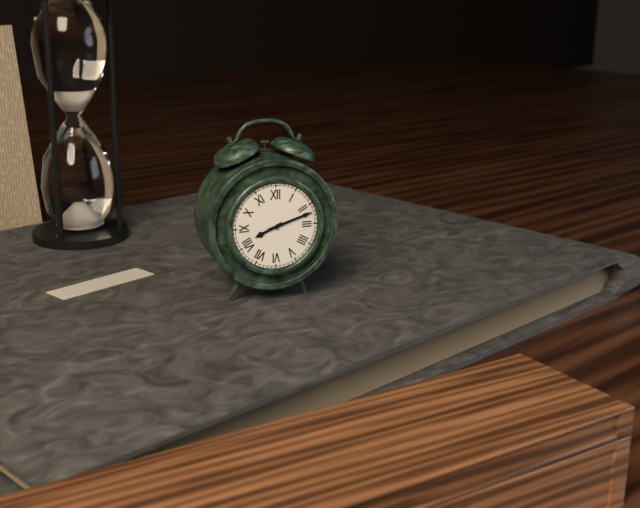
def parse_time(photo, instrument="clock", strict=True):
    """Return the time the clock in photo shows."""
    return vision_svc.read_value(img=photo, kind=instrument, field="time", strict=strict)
8:12
